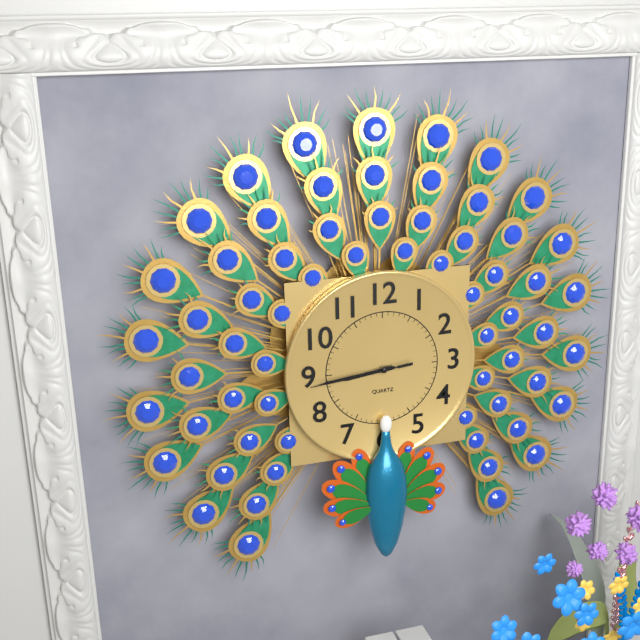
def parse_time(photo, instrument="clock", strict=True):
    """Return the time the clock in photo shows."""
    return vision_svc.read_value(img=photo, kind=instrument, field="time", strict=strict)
8:44:44
